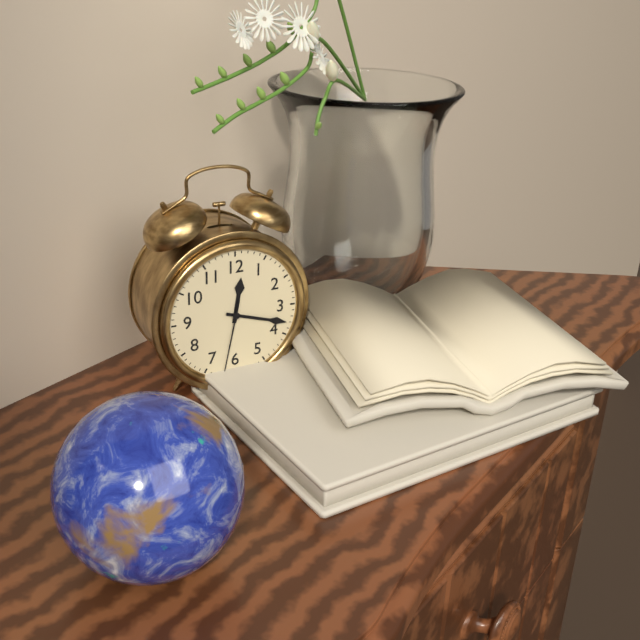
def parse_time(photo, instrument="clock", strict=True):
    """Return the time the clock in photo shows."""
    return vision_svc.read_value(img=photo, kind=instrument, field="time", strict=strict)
12:18:32
